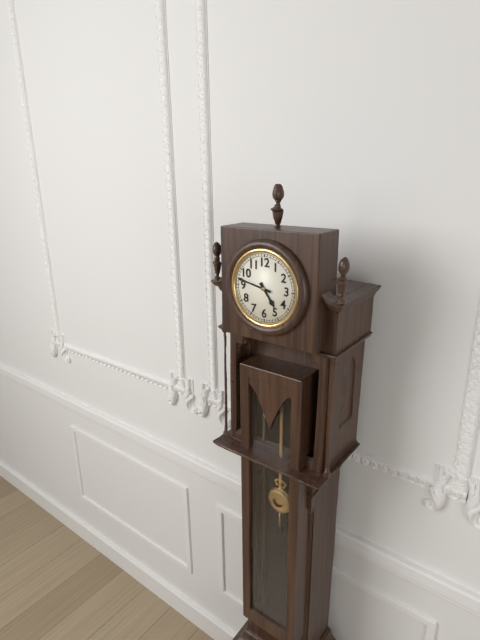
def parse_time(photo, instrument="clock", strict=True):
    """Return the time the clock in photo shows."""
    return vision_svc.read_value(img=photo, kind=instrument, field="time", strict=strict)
4:47
